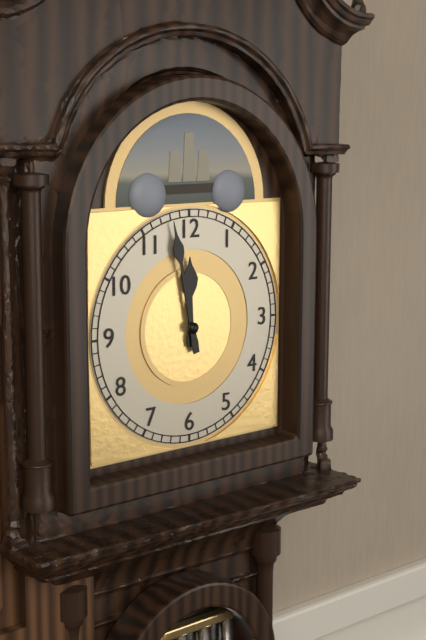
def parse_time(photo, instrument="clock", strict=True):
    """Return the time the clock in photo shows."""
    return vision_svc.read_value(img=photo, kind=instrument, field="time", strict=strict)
11:58
